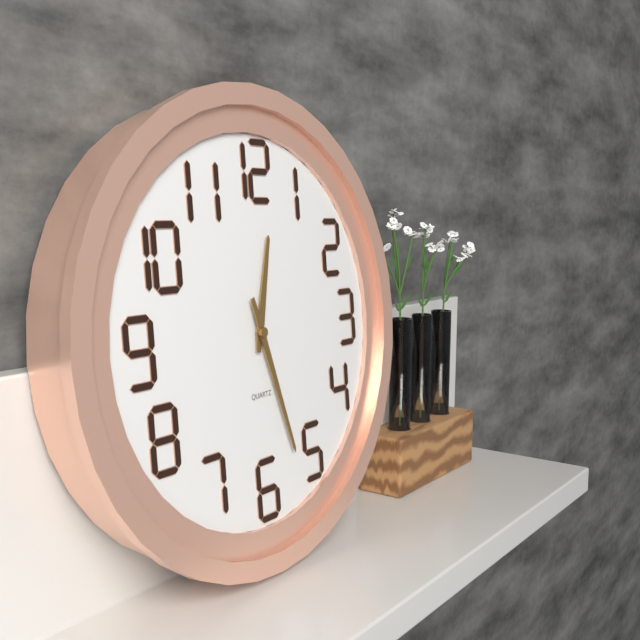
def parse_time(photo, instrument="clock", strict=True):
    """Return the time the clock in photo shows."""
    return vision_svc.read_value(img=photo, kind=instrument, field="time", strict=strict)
12:27
